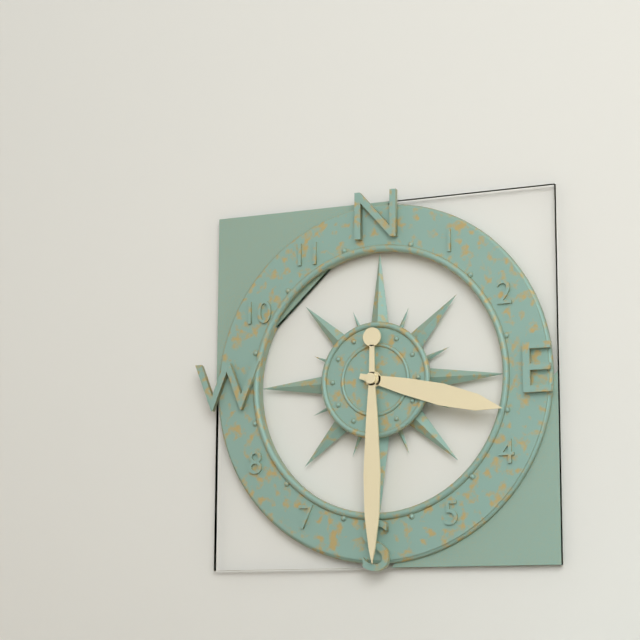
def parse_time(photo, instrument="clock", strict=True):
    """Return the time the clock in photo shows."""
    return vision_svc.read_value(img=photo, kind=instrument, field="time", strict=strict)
3:30
